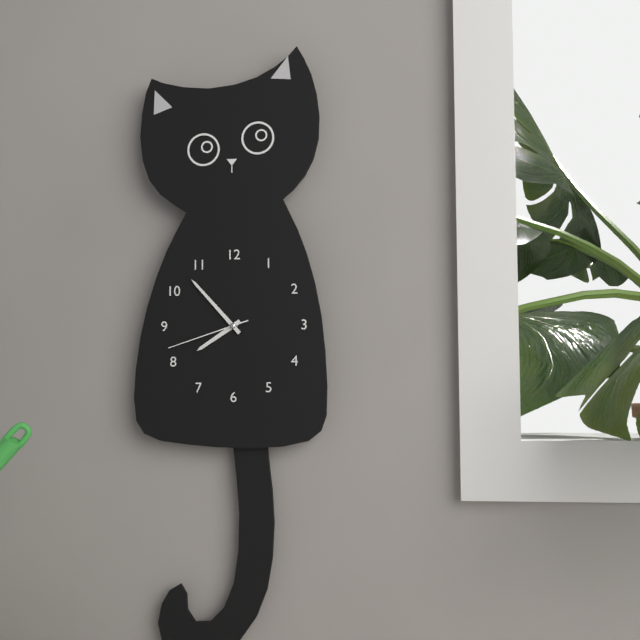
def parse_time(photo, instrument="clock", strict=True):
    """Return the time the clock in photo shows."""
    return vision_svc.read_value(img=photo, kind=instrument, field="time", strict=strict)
7:53:42
